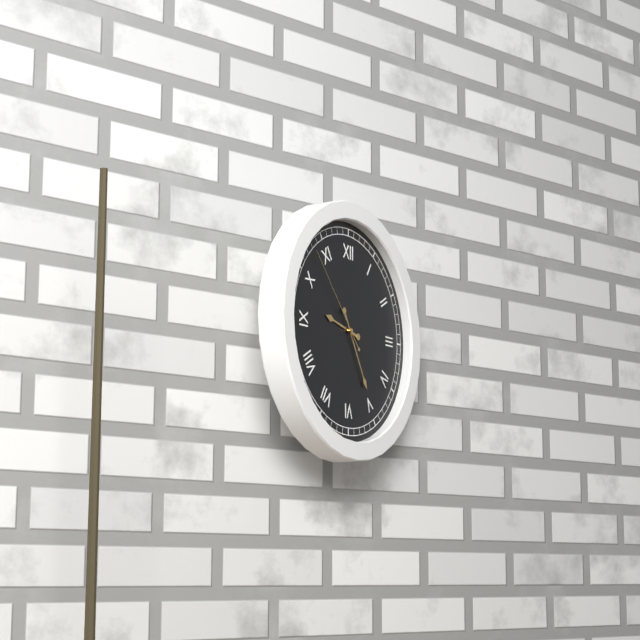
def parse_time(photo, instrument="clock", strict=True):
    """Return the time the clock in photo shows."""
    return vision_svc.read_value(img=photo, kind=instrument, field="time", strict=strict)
9:25:53
